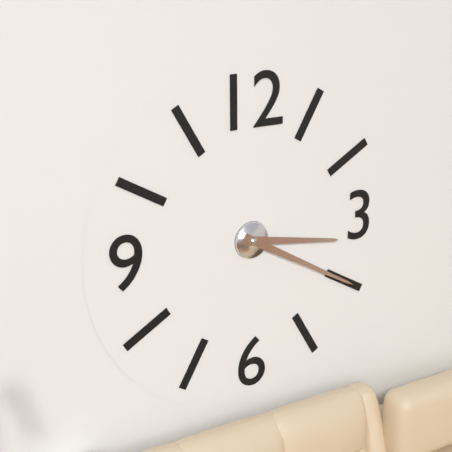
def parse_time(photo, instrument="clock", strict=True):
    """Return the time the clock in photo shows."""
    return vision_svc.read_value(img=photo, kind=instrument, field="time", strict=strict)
3:20
